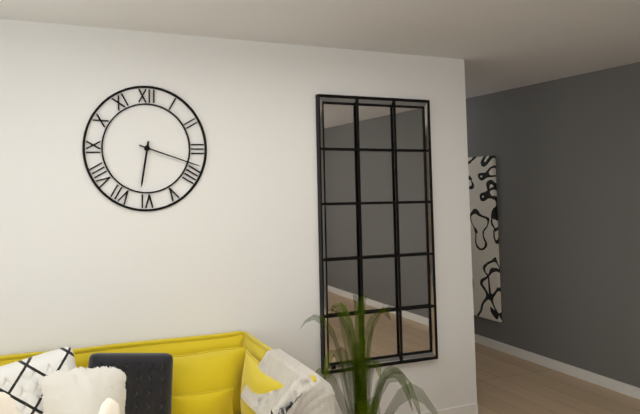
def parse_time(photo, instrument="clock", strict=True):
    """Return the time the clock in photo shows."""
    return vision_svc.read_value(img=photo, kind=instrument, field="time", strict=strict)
6:18
